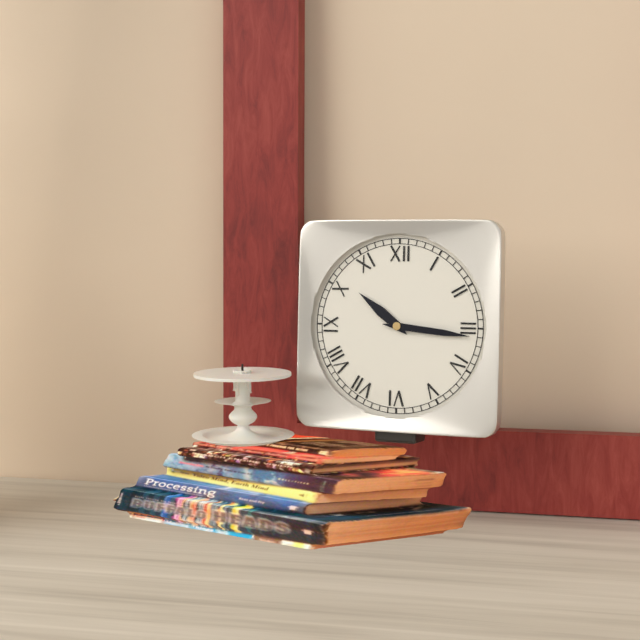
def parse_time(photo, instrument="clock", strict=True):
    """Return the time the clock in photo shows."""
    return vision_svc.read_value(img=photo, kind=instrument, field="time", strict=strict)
10:16
